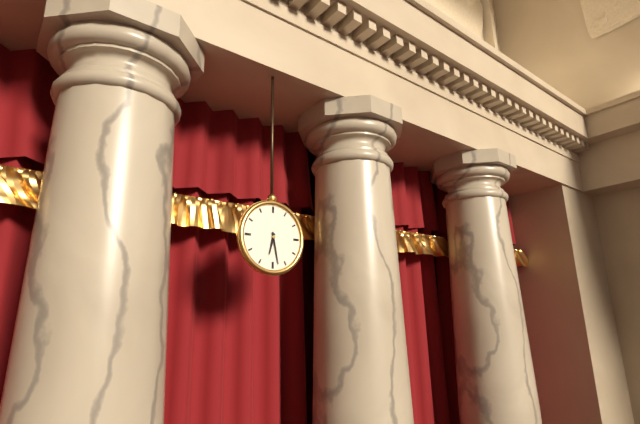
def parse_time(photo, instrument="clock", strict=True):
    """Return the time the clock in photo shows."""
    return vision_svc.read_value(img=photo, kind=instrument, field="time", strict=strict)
6:28
